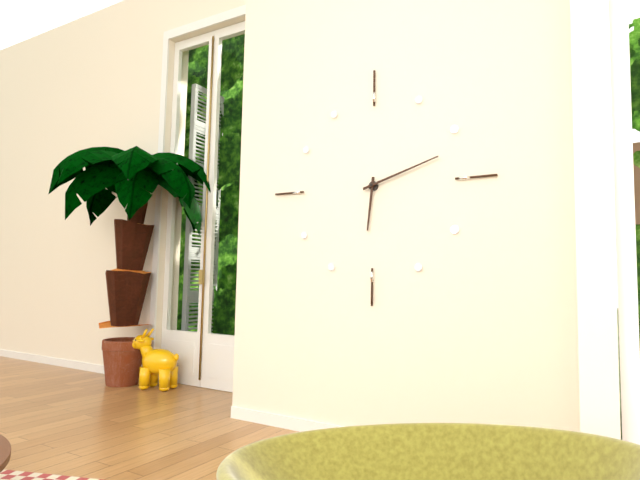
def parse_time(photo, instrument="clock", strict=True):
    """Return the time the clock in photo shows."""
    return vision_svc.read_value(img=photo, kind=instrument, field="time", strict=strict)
6:12
